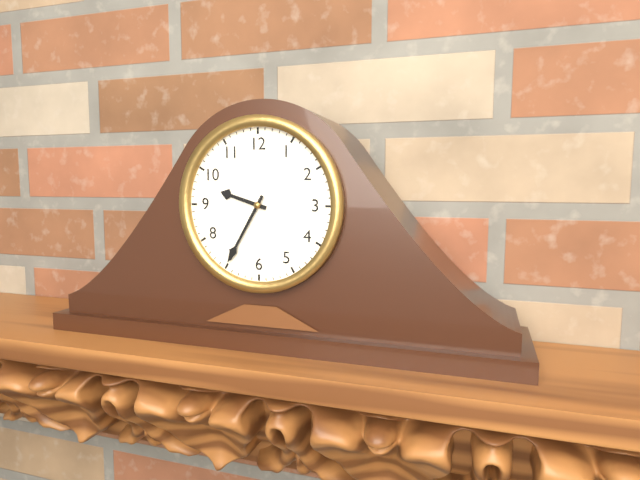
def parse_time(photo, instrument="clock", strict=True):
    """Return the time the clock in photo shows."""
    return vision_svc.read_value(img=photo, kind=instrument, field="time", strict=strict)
9:35
